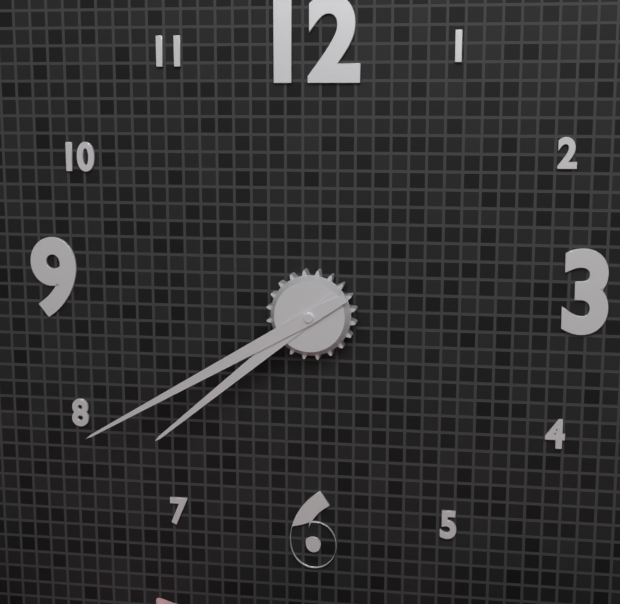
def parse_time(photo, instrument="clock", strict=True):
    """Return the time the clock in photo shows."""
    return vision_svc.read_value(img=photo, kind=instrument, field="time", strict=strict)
7:40
